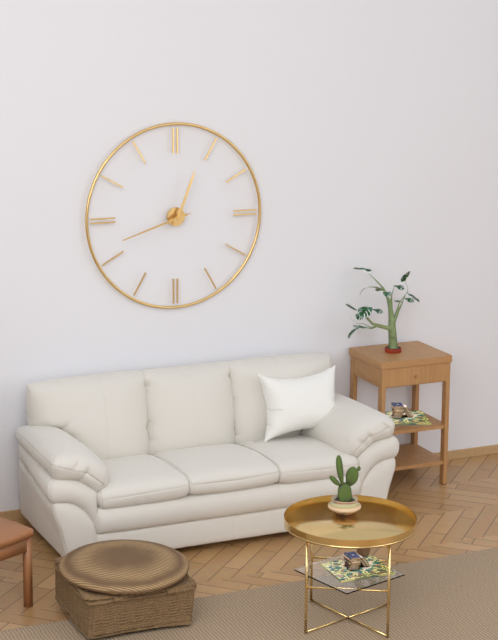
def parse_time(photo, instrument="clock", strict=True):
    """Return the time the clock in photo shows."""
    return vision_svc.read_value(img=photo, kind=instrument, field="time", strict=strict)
12:42:42
